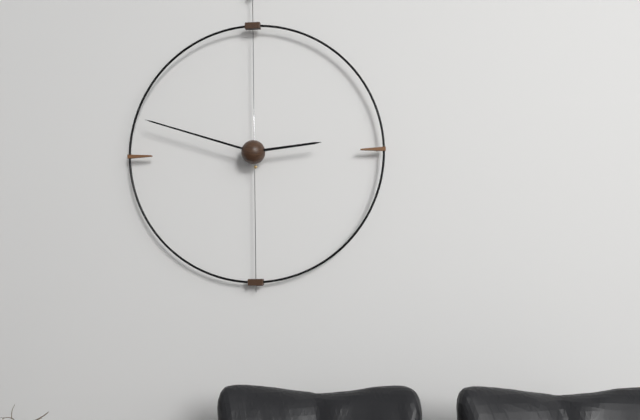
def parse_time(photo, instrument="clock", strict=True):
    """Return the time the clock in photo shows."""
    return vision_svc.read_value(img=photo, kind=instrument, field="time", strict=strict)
2:48
